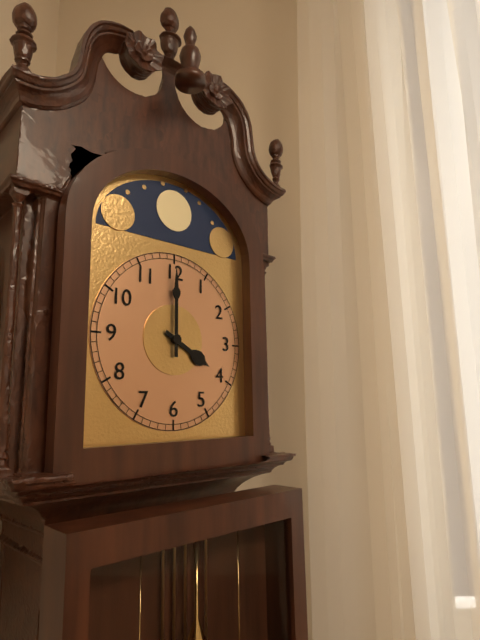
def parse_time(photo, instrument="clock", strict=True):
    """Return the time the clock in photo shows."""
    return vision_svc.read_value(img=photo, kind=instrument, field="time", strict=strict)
4:00
